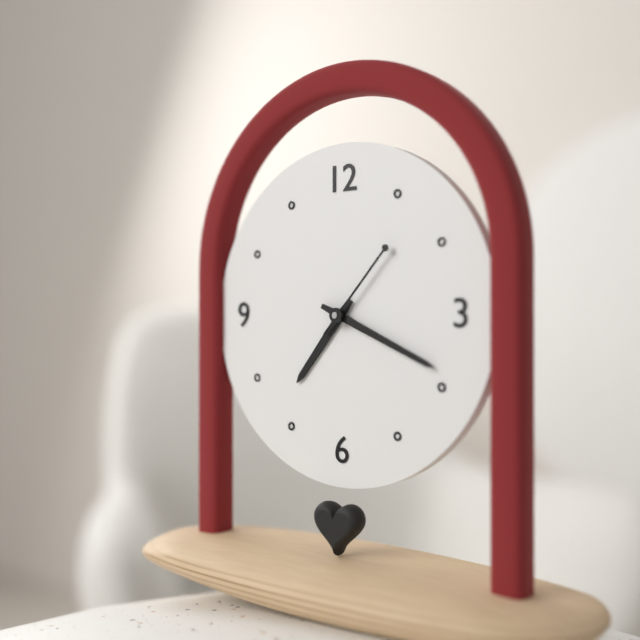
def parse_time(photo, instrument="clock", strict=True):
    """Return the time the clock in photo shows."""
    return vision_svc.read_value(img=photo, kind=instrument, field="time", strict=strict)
7:19:07
